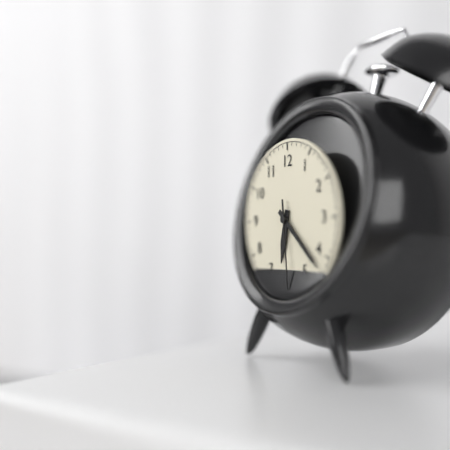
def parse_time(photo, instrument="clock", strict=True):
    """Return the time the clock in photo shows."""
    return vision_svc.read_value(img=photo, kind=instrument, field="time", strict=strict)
6:22:29
